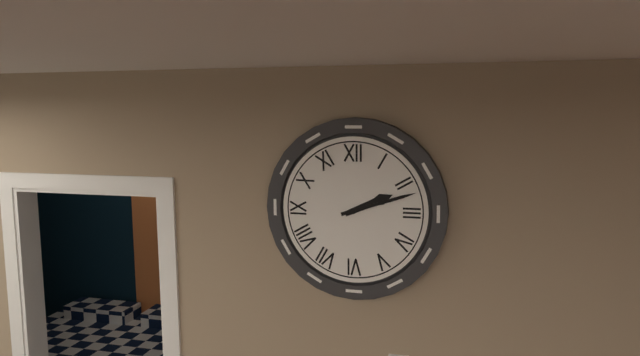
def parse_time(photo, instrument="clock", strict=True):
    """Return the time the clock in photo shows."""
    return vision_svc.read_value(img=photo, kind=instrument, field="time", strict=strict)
2:12
